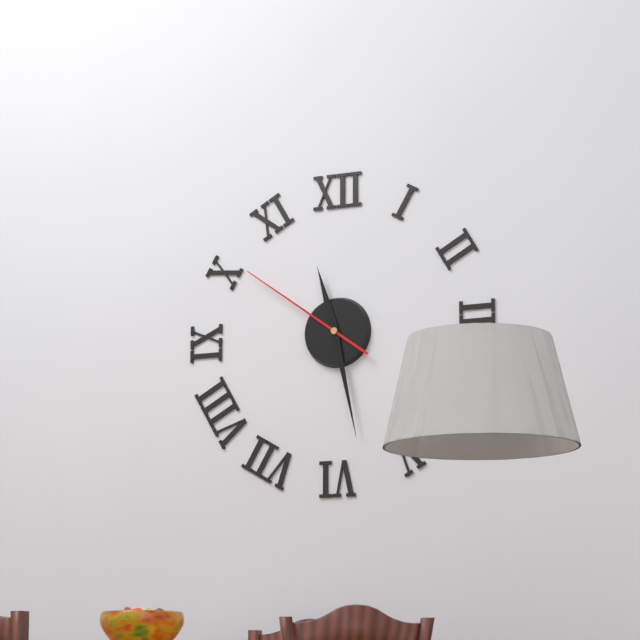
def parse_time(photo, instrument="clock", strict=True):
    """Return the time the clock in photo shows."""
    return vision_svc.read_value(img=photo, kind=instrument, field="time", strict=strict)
11:28:51
